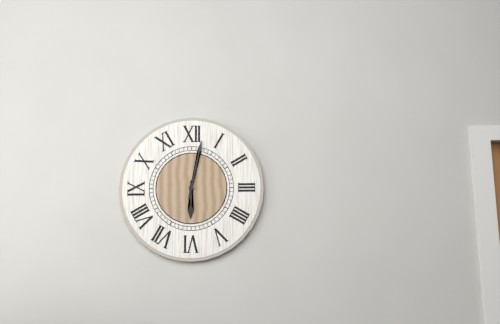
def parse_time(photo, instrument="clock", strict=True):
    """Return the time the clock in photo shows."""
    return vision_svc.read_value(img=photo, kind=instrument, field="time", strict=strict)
6:02
